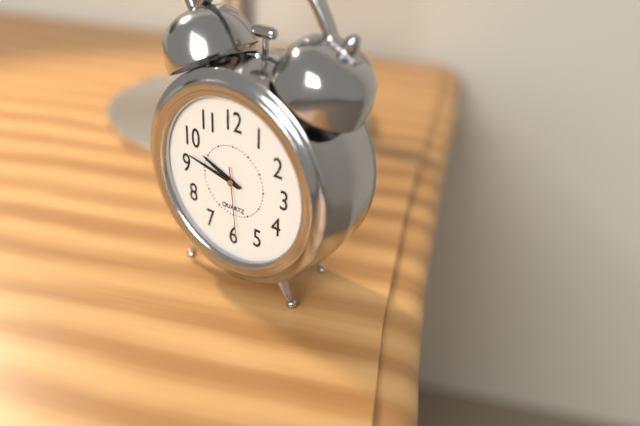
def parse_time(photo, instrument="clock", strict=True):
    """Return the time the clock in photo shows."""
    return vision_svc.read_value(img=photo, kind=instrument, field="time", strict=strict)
9:47:29
